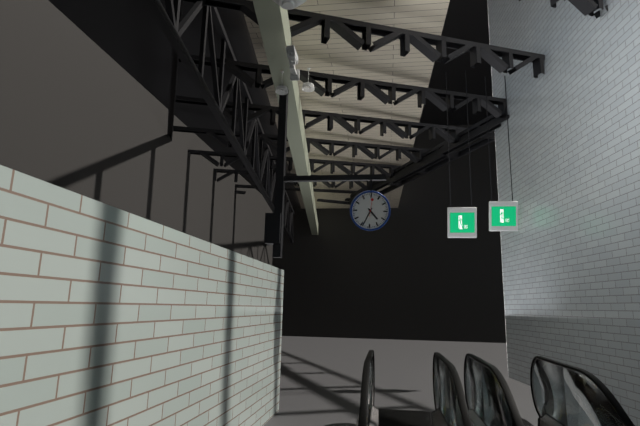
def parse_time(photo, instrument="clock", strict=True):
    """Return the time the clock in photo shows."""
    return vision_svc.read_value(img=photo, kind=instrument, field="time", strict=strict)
4:34
